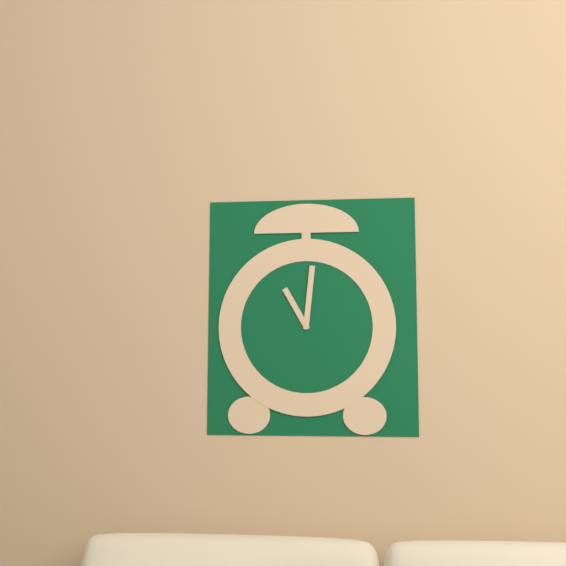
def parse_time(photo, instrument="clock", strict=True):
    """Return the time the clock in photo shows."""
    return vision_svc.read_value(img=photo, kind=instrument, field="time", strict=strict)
11:01
